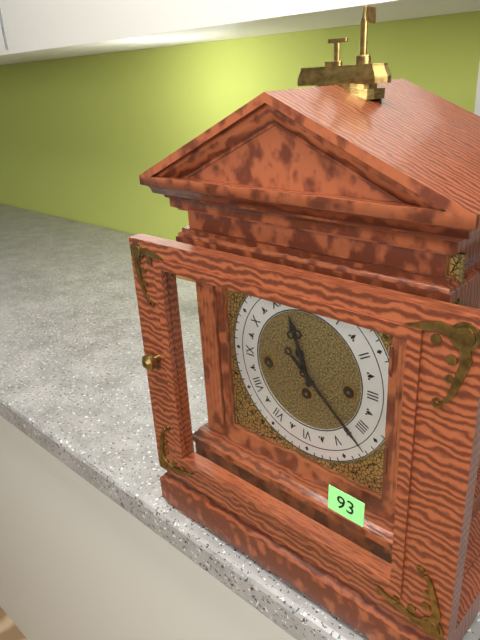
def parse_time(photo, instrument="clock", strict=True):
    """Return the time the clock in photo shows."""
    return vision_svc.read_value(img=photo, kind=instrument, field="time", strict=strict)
11:22
